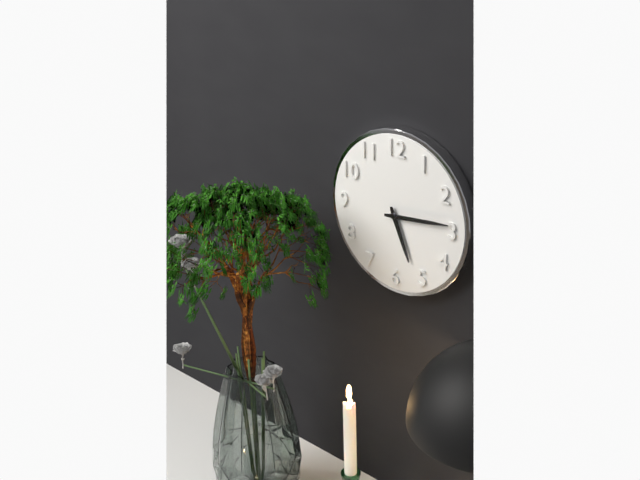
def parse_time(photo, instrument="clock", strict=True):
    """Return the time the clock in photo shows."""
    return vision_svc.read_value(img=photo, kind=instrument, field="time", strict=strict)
5:14
